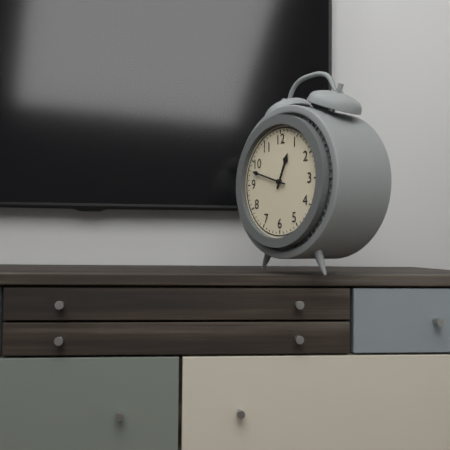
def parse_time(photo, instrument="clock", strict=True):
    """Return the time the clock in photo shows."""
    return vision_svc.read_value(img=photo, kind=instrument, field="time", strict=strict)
12:48
